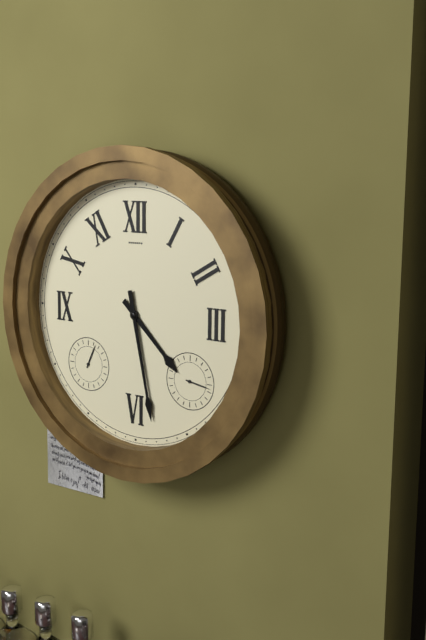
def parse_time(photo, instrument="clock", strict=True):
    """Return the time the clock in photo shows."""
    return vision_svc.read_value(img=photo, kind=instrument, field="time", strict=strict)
4:28
